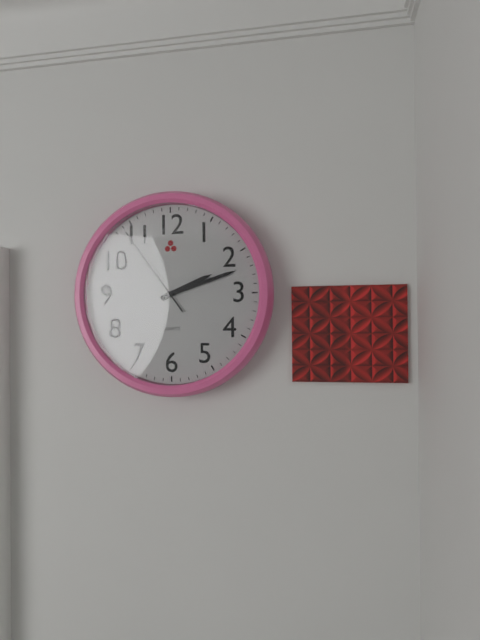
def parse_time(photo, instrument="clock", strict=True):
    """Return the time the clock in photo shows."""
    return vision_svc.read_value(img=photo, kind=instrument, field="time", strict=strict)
2:12:54
